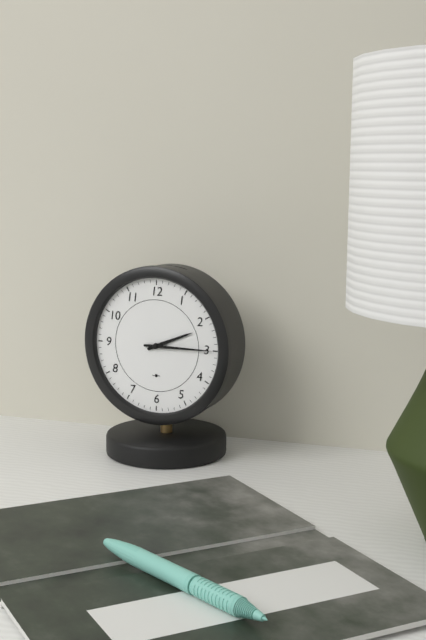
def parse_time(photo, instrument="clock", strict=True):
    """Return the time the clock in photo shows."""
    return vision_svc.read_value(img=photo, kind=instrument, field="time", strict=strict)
2:15
